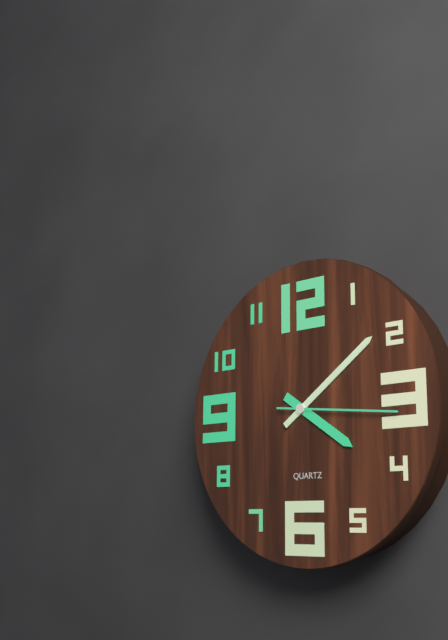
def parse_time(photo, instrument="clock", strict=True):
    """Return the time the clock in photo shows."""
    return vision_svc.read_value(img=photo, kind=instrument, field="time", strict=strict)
4:09:16
